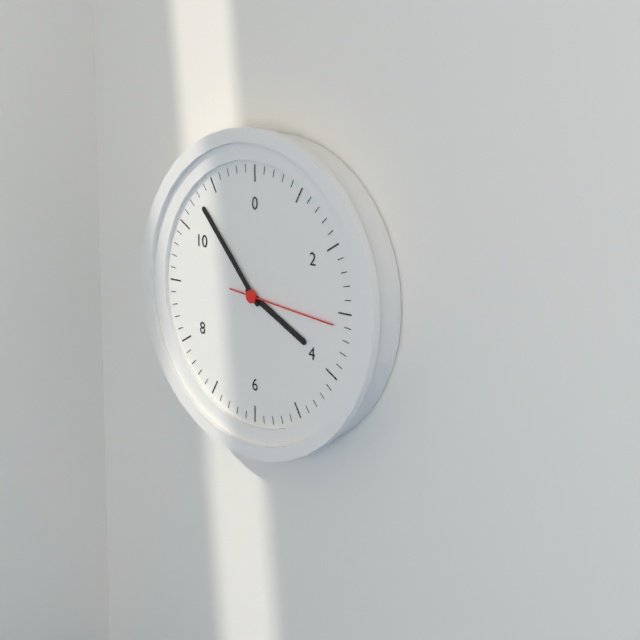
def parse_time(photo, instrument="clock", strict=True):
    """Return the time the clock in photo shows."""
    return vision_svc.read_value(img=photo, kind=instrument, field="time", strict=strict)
3:53:16
